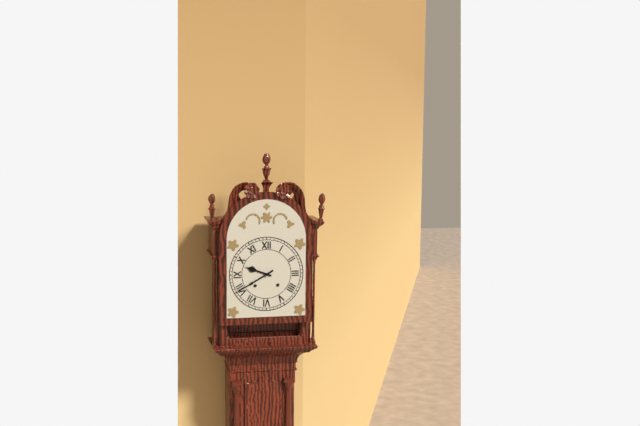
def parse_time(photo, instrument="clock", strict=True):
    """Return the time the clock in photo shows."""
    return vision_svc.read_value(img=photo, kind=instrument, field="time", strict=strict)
9:40
